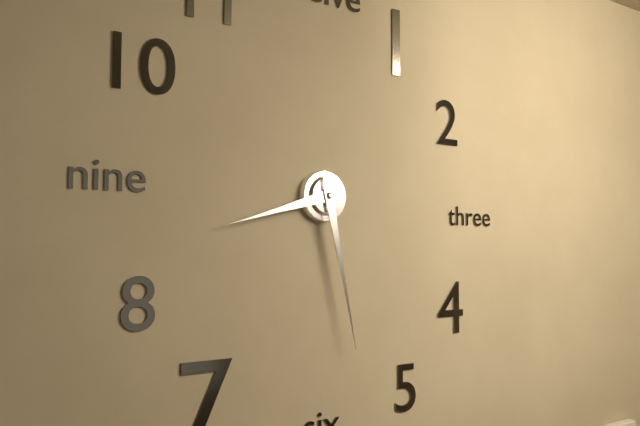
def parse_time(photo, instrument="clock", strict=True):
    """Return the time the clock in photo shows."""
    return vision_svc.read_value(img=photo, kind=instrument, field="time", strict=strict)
8:28
